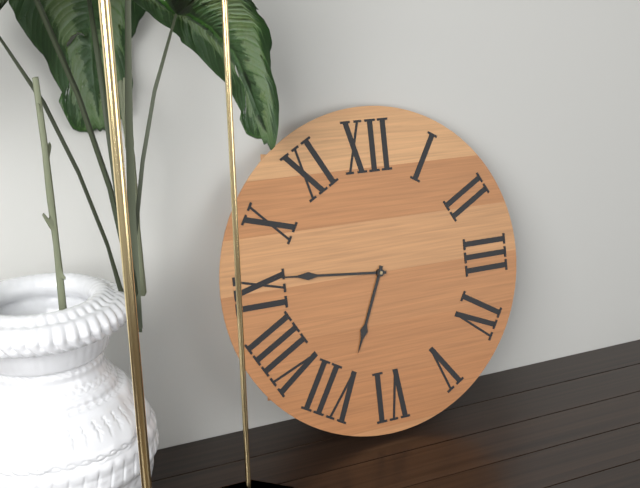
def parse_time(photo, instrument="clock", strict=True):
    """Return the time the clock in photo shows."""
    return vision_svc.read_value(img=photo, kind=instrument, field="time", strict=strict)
6:46
